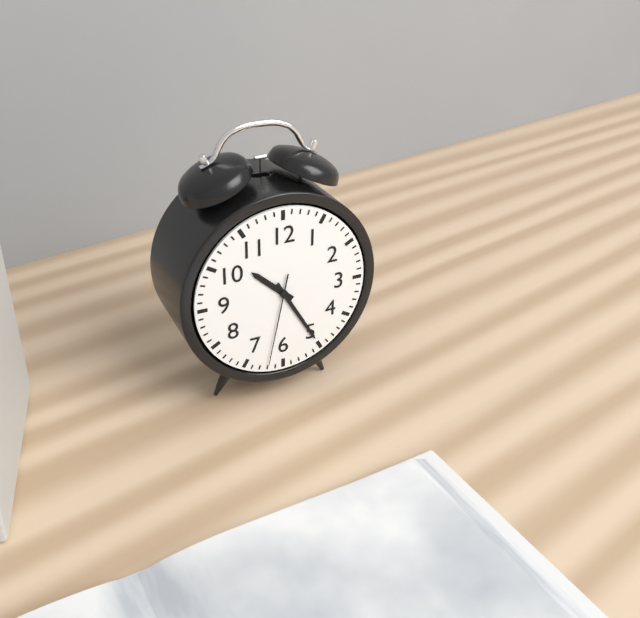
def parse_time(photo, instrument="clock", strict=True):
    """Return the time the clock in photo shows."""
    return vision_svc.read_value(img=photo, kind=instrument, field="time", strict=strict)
10:25:32
